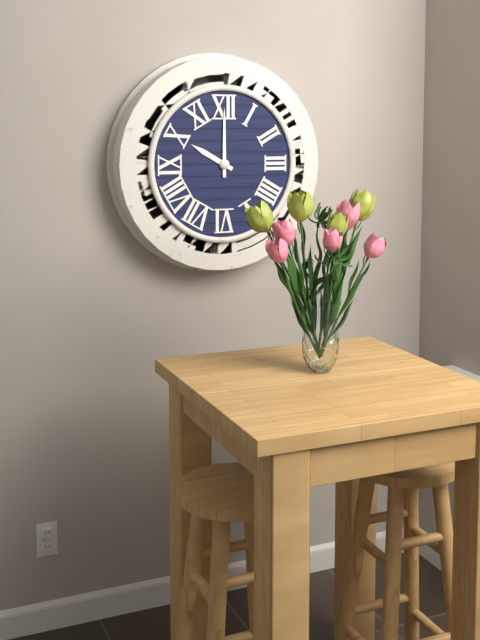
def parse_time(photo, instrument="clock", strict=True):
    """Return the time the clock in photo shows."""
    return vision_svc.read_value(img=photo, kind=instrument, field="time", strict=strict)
10:00
